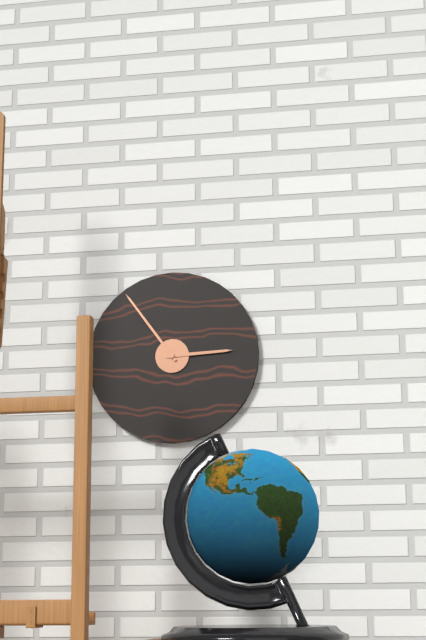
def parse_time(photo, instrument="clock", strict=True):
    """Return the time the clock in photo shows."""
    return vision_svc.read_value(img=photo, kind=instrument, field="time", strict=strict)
2:54
